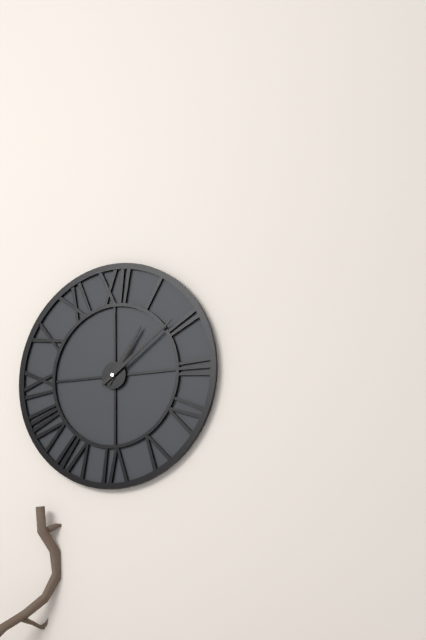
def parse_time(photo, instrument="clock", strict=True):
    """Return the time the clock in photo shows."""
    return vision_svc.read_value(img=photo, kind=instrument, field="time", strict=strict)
1:09
